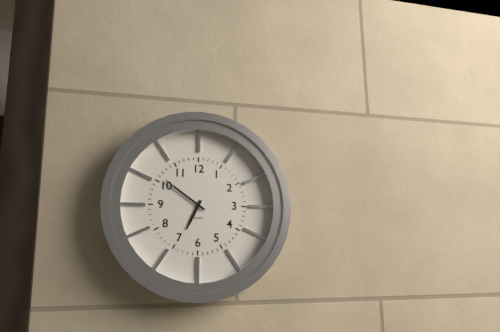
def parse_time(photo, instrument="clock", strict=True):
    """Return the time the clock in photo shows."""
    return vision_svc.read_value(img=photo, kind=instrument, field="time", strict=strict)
6:51
